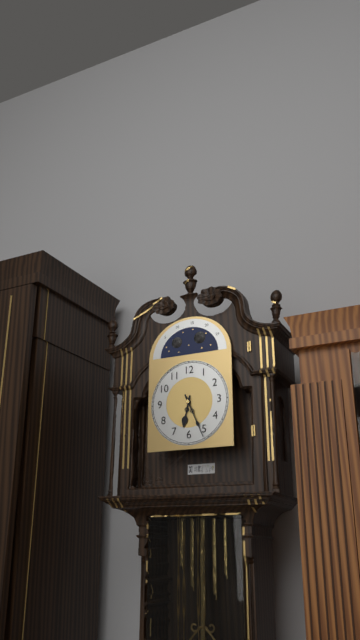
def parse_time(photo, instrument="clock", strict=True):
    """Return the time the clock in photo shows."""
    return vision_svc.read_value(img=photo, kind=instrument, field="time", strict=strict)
6:26
